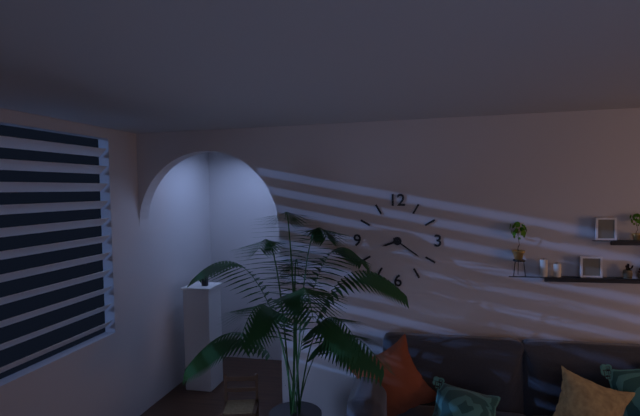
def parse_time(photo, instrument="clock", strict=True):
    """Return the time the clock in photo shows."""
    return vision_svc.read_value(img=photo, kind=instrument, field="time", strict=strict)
8:21
